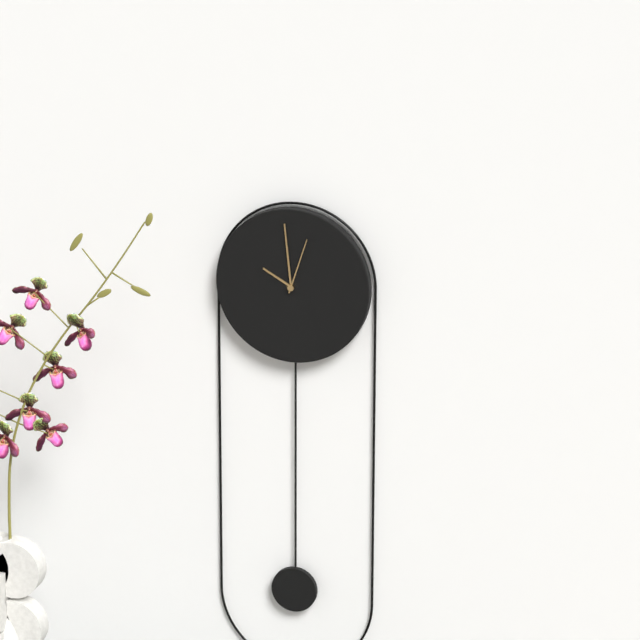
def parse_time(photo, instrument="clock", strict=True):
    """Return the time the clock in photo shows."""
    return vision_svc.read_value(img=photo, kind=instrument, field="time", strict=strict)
9:59:03
